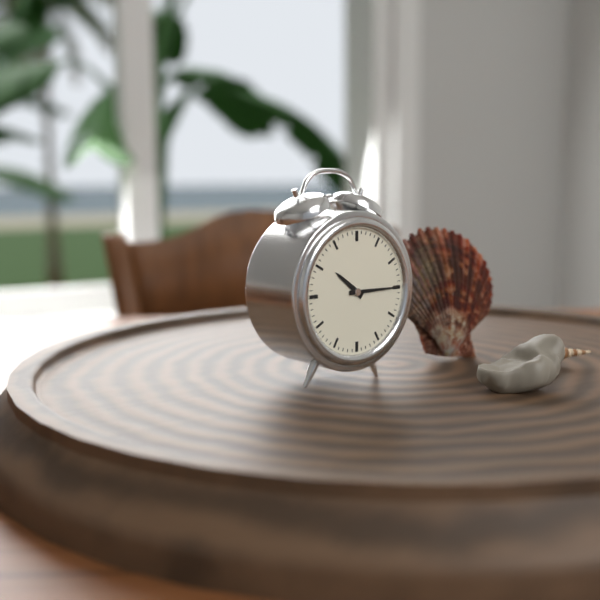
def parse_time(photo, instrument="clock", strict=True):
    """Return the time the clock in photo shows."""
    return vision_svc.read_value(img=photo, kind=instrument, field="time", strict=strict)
10:15
